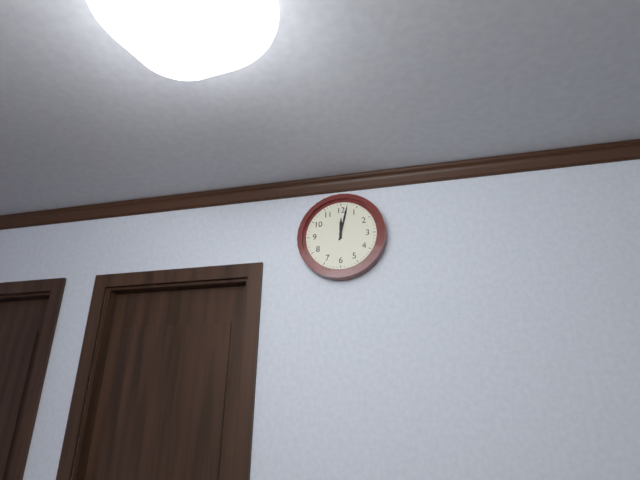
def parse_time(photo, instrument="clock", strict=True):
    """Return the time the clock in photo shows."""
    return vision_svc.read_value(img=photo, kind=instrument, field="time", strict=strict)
12:02
